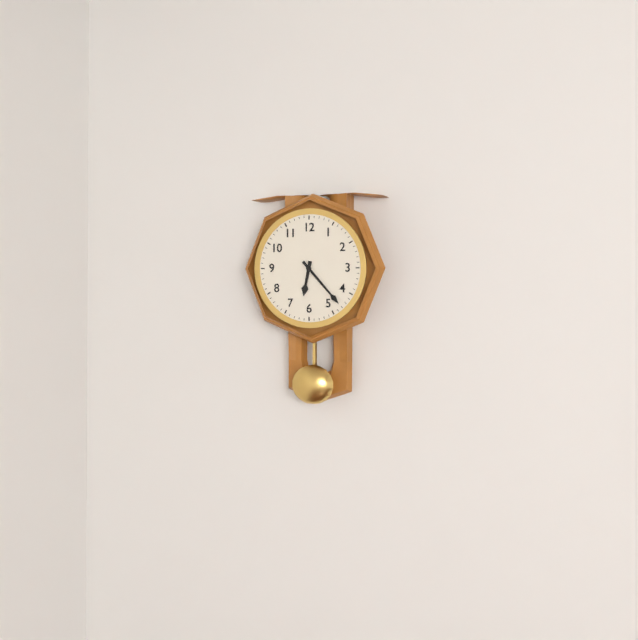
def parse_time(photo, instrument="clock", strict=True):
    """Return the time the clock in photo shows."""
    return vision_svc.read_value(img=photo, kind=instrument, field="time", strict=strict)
6:23
